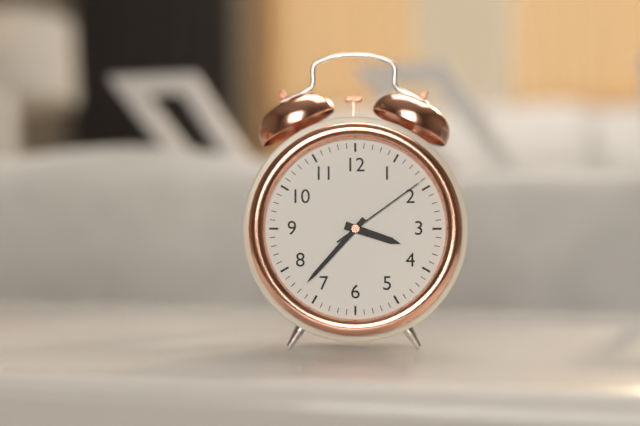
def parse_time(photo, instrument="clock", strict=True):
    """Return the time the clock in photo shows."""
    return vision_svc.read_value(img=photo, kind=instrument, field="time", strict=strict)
3:37:09
